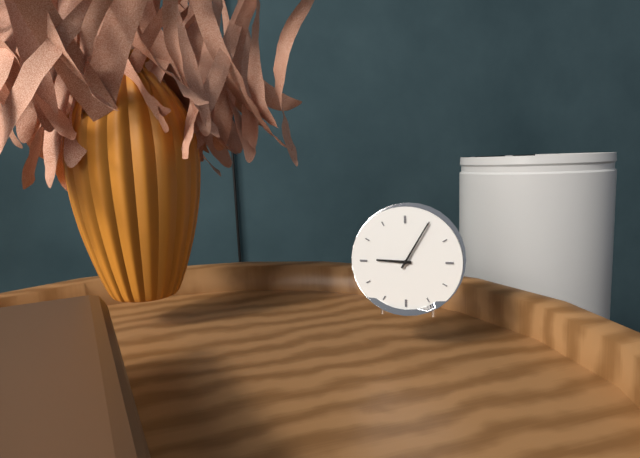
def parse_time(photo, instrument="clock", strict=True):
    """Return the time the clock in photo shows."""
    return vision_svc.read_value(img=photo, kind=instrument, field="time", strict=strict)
9:05
